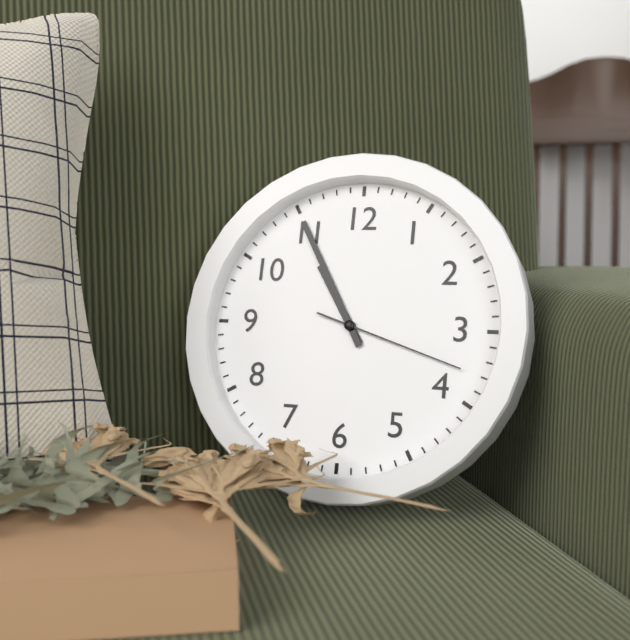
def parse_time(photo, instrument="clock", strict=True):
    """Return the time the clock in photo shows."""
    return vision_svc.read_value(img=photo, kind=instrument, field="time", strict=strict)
10:55:18
